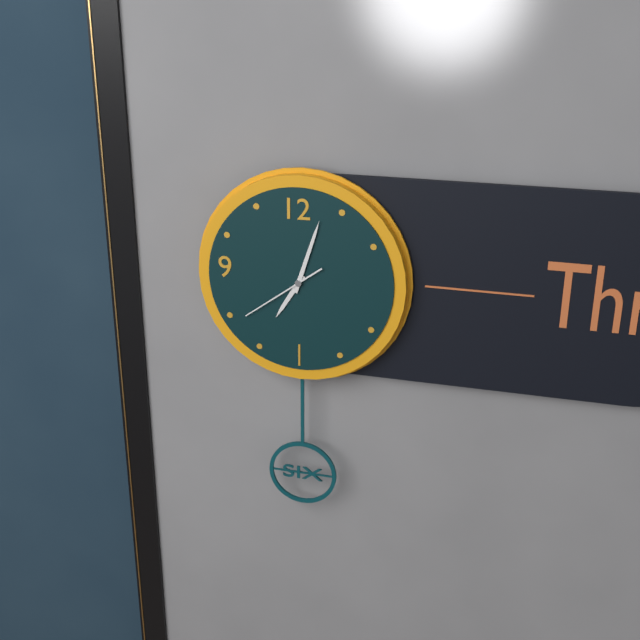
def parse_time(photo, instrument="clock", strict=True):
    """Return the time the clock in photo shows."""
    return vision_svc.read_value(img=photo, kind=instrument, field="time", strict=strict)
7:03:39
